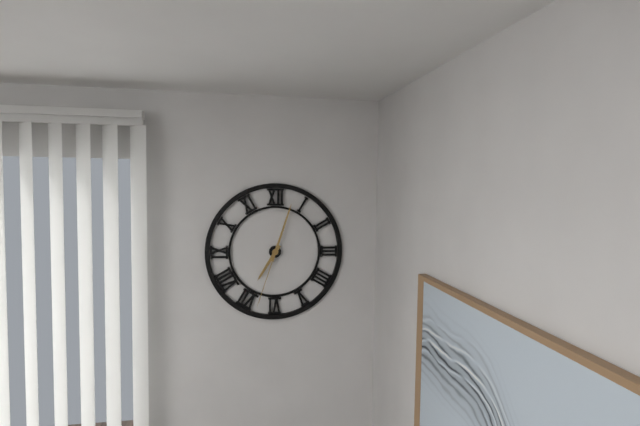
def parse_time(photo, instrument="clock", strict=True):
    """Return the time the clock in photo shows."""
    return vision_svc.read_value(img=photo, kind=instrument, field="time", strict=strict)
7:03:33
